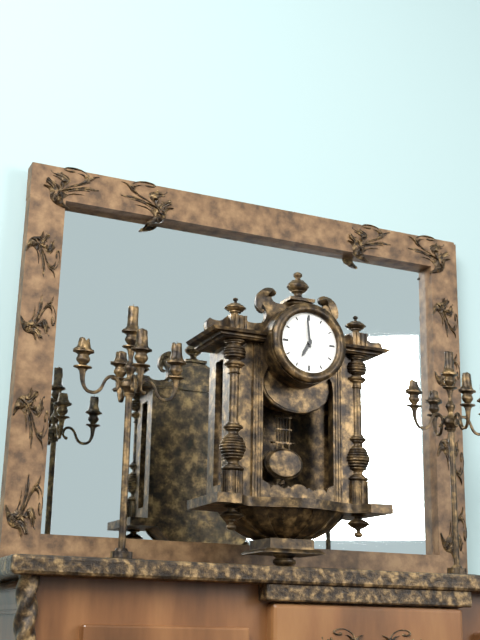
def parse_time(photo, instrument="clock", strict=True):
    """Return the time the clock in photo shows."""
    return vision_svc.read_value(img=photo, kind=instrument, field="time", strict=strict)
6:59
